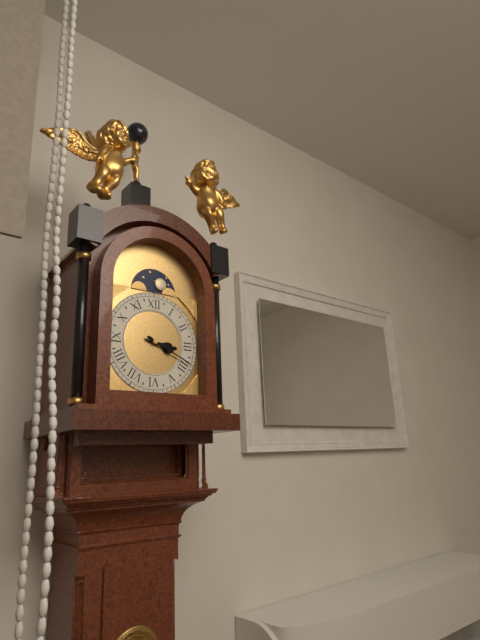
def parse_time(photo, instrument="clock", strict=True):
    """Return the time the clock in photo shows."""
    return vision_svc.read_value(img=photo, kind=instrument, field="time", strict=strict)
3:19
